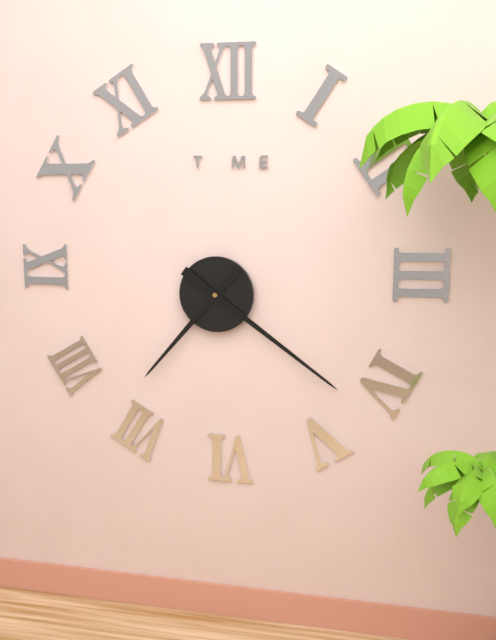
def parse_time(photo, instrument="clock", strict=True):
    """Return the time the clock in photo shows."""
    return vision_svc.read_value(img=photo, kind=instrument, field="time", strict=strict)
7:21
